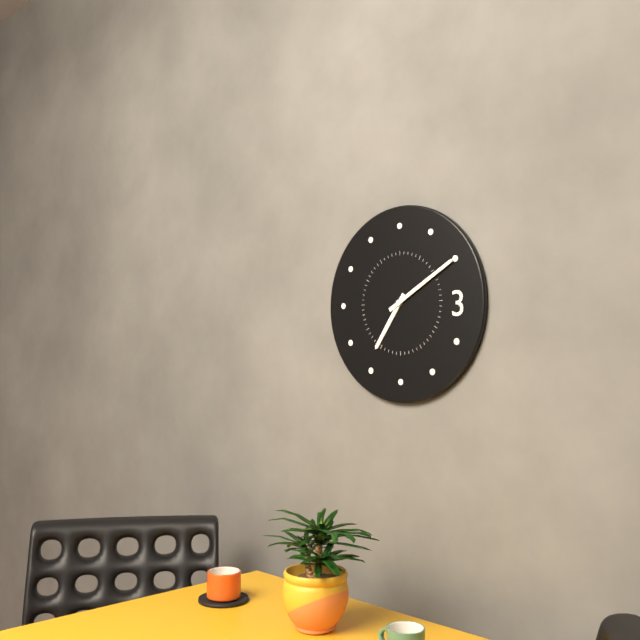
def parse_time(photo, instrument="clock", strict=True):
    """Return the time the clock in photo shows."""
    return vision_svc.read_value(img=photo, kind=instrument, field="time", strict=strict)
7:10
